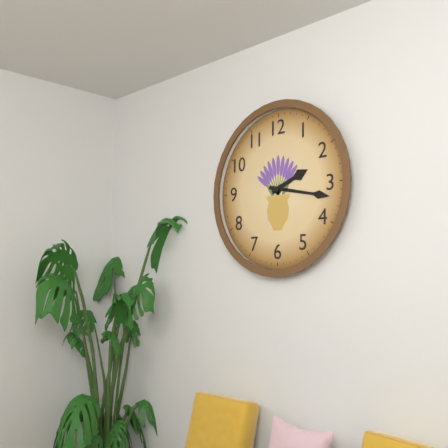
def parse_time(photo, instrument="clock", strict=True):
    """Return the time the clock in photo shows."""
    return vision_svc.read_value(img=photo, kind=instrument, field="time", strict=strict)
2:17
